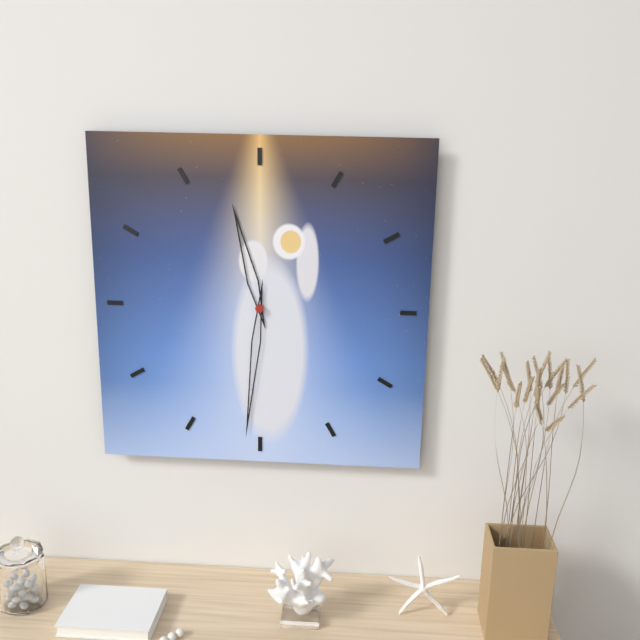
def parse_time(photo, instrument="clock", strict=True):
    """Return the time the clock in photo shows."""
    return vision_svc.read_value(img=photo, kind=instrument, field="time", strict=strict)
11:31
